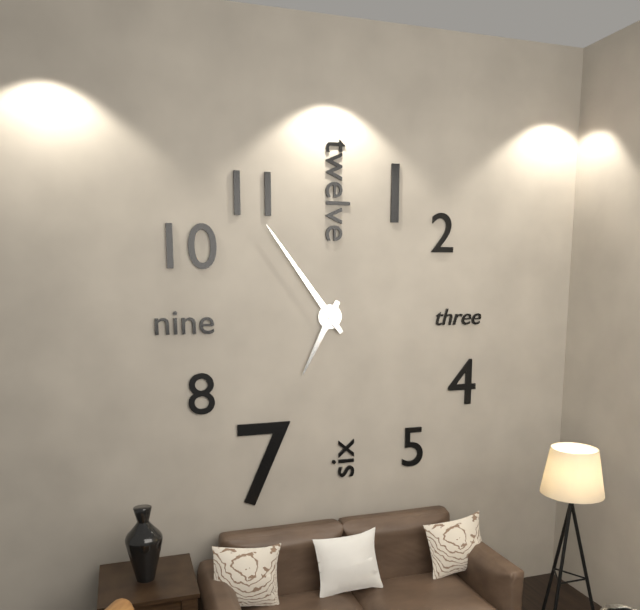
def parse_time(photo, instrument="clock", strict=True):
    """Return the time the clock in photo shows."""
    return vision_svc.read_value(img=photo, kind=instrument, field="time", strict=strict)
6:54
